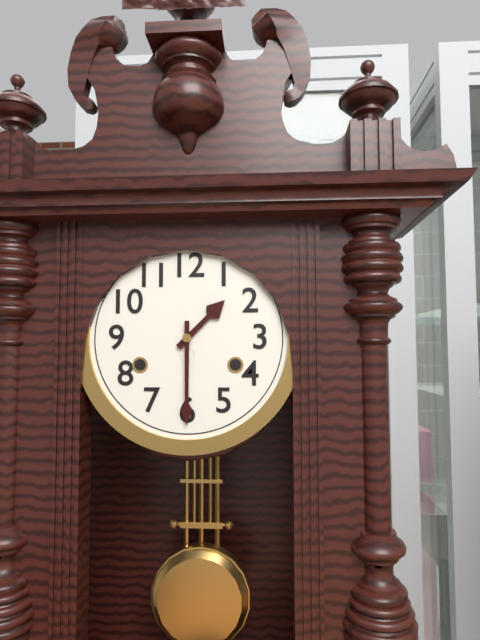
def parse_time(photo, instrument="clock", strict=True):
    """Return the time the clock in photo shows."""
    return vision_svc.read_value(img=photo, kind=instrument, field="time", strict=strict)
1:30
